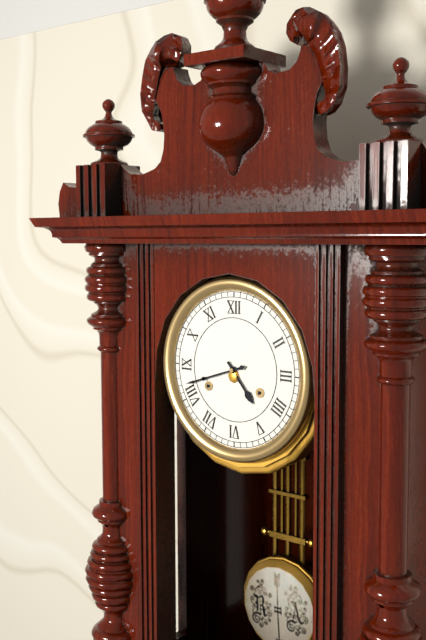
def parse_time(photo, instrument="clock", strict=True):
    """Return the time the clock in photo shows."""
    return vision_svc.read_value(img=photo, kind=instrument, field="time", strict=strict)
4:42
